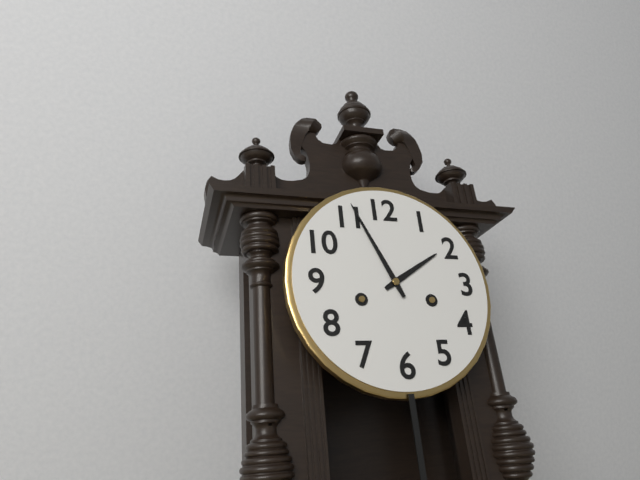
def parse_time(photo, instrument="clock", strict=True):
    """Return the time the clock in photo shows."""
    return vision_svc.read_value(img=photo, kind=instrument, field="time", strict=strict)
1:56
